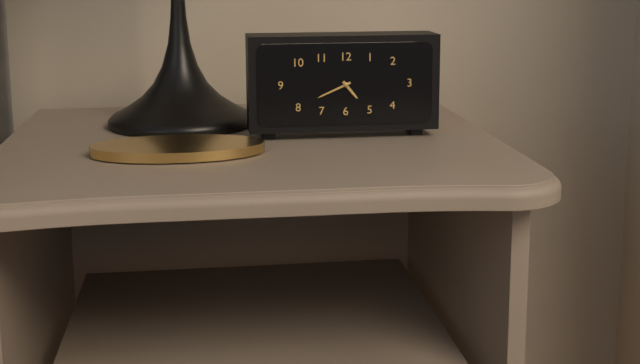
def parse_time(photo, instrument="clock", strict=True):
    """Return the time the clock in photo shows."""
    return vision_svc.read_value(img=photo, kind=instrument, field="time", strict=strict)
4:41
